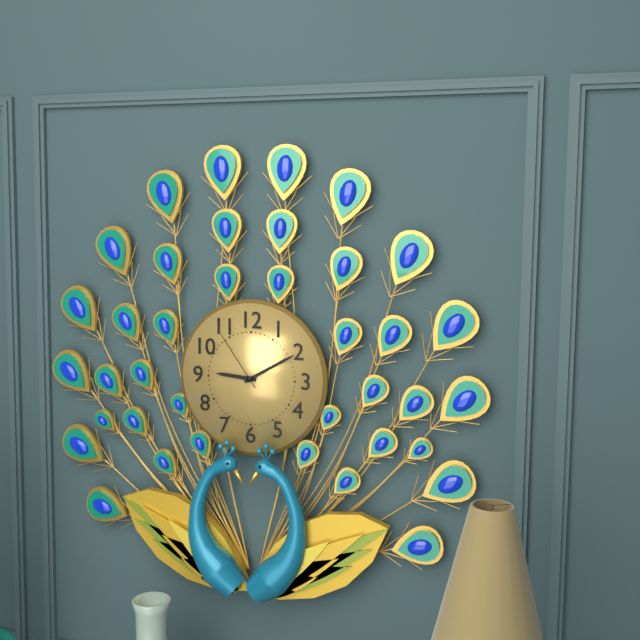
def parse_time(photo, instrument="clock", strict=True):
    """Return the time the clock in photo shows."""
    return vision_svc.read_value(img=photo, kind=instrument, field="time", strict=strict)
9:10:54
